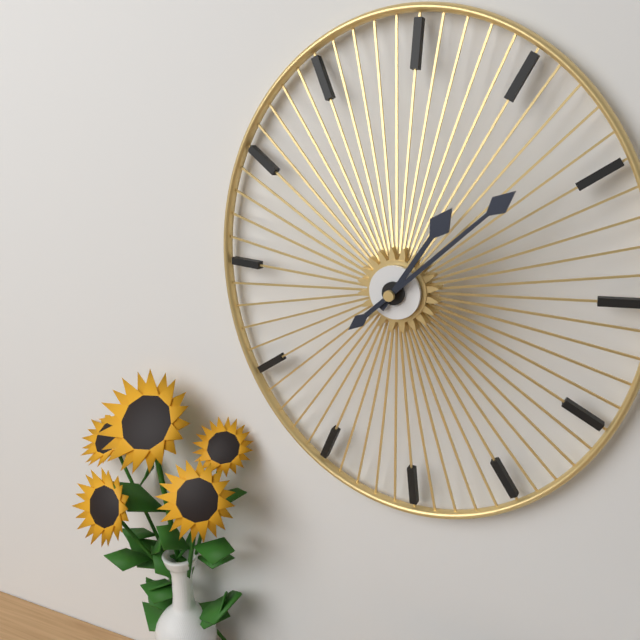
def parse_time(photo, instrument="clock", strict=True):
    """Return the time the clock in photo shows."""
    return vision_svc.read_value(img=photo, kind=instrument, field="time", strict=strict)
1:08
